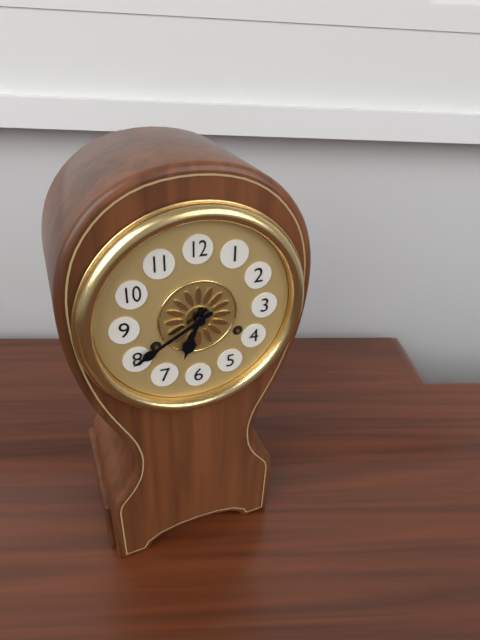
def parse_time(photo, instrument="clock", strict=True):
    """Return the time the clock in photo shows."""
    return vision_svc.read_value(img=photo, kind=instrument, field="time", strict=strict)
6:40
